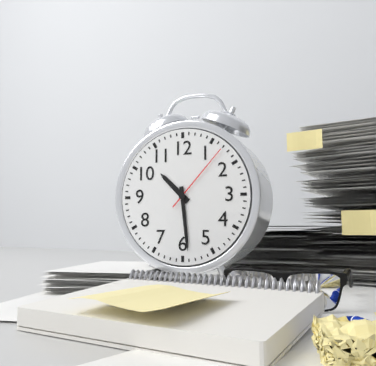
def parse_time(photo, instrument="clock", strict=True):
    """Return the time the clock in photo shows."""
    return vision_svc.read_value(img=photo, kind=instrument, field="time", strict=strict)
10:29:07
